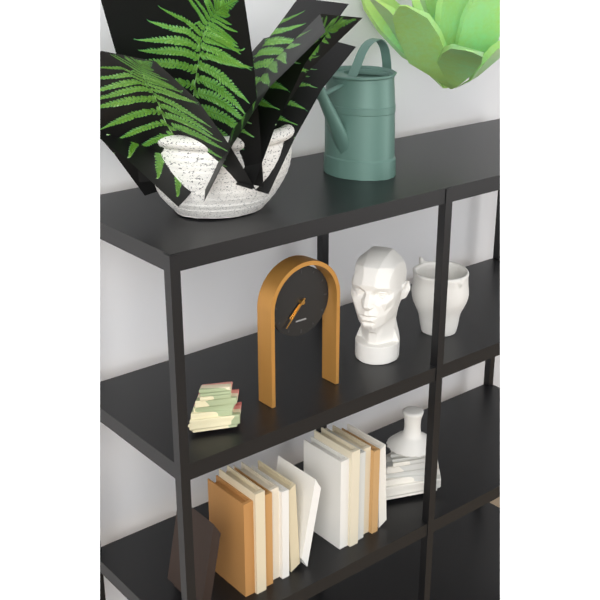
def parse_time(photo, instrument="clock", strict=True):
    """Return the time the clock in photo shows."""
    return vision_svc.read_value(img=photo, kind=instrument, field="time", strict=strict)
7:37
